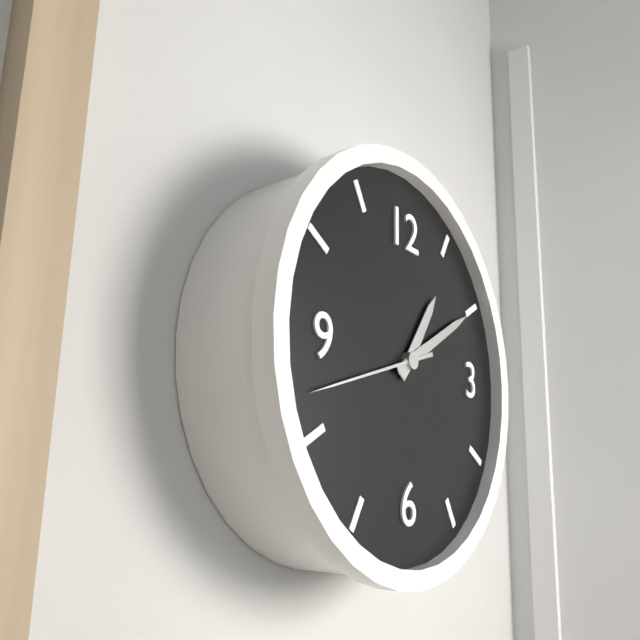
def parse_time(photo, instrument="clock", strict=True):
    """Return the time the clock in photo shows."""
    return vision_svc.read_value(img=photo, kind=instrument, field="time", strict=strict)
1:10:42
